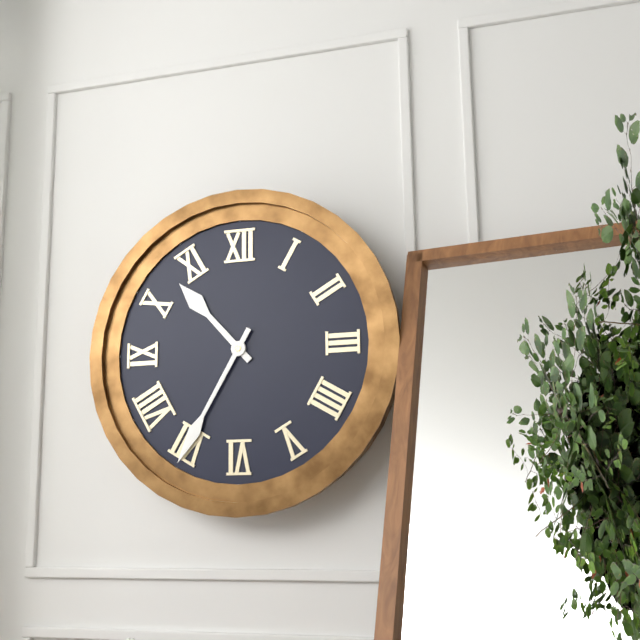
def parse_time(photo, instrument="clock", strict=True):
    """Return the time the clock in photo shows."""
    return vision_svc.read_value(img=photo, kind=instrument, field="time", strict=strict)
10:35
